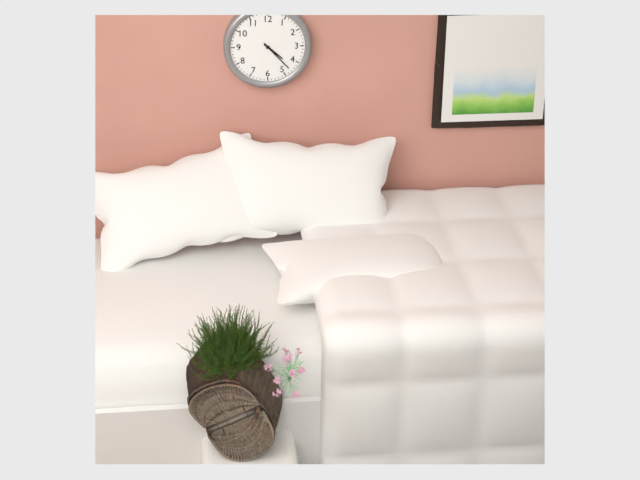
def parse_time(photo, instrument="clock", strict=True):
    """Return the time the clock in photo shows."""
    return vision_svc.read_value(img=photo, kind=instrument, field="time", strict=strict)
4:23
